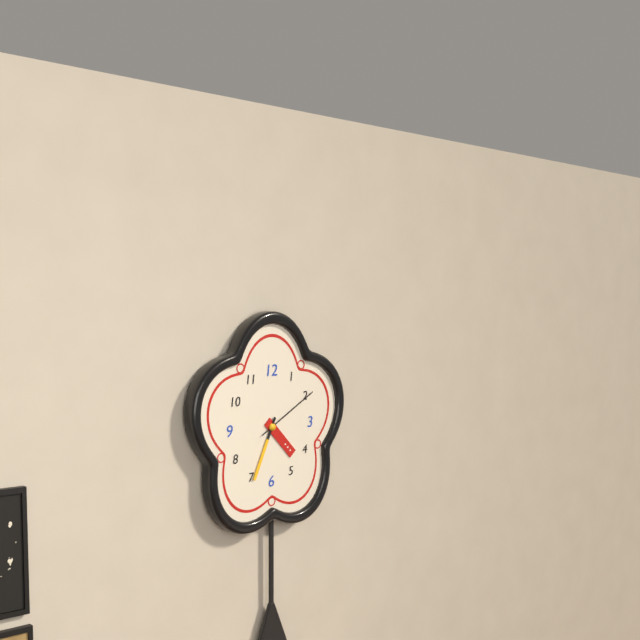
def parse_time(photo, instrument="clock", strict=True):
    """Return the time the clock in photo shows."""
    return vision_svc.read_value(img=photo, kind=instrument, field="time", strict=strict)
4:34:10
